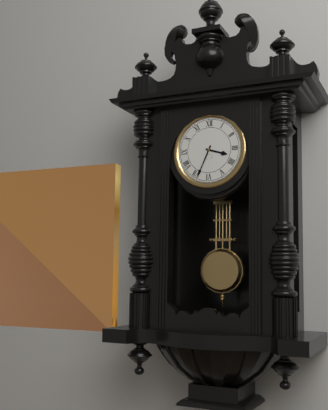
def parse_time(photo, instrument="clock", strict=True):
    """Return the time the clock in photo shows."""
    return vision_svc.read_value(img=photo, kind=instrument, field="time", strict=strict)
3:34
